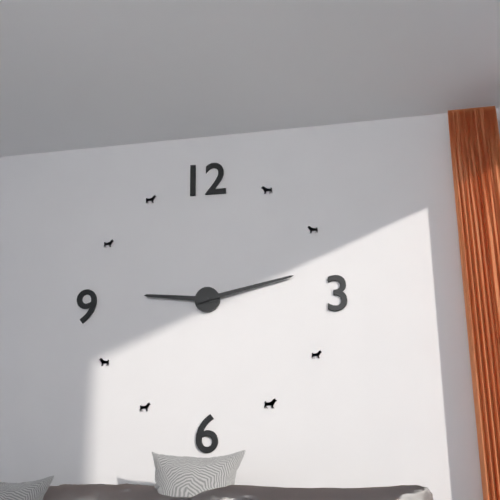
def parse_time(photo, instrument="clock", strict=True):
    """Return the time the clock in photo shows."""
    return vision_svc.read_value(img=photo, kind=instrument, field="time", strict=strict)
9:13
